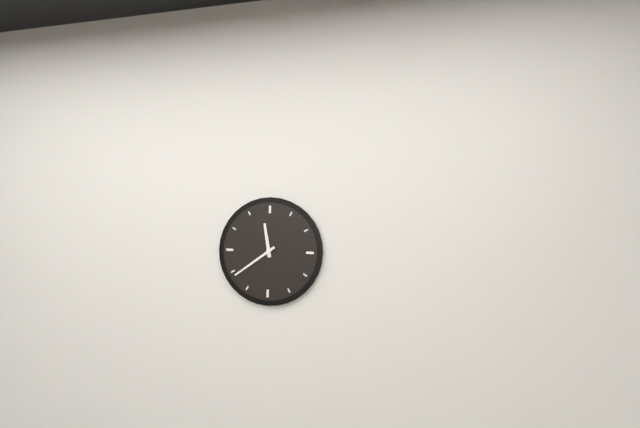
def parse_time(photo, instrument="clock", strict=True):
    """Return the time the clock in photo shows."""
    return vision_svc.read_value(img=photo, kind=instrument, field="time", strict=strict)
11:39
